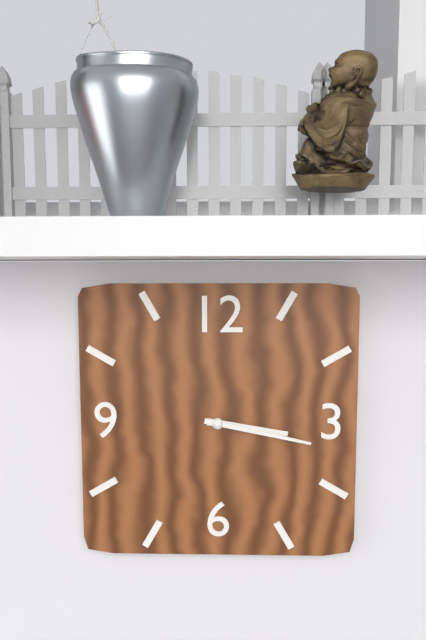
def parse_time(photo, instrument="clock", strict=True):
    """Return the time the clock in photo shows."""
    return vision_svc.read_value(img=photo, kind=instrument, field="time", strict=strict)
3:17
